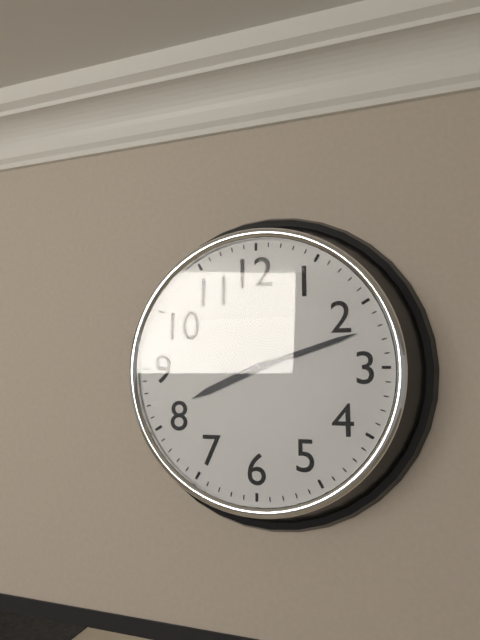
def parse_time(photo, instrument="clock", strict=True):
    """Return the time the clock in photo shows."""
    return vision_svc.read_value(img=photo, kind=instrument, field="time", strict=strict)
8:12
